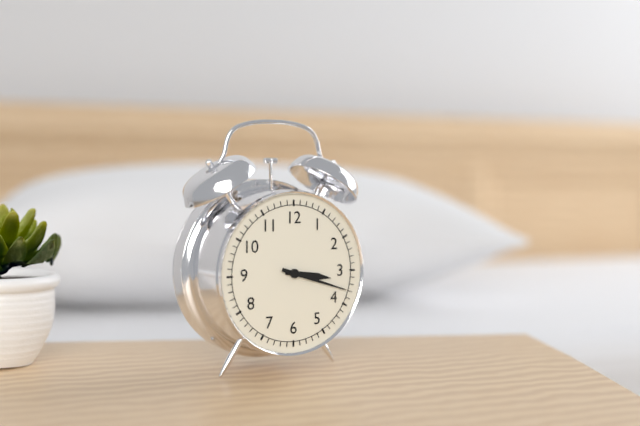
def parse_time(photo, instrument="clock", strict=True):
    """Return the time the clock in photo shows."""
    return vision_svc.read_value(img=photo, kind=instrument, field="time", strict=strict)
3:18
